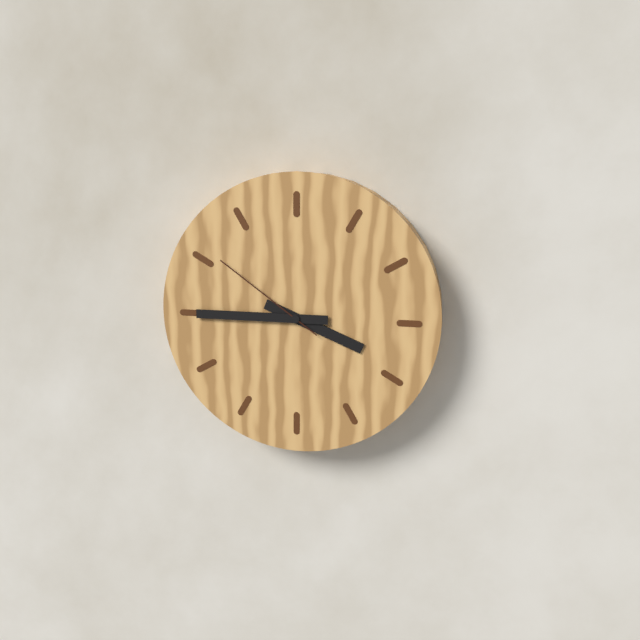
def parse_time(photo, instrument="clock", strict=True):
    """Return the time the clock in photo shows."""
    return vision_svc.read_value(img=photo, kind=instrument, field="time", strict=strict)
3:45:51
